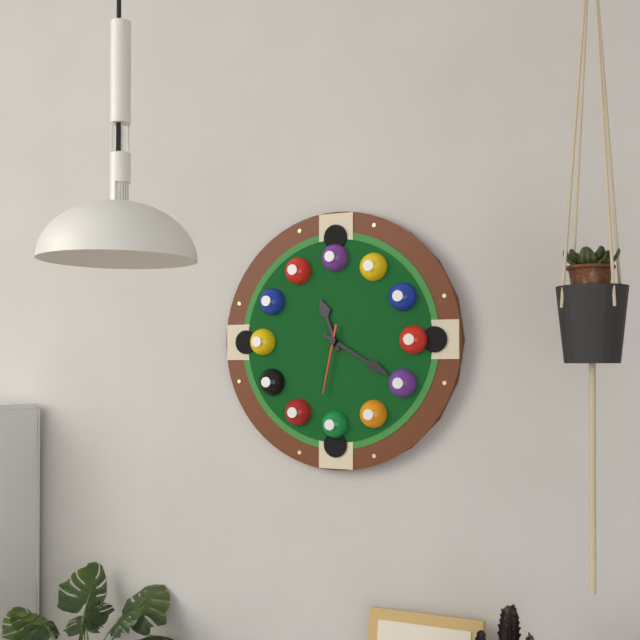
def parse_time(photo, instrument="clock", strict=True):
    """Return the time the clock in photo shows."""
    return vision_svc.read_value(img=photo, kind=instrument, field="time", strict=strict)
11:20:32
